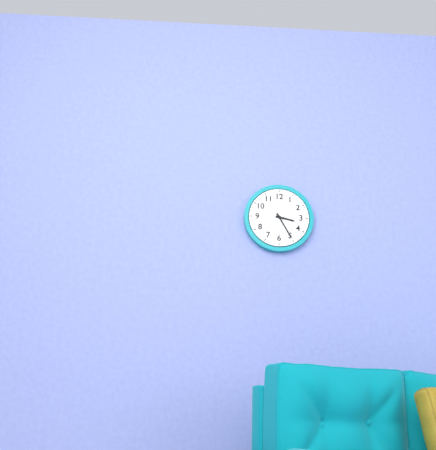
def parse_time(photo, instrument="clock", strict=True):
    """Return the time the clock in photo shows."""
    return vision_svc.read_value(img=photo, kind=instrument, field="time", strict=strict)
3:25
